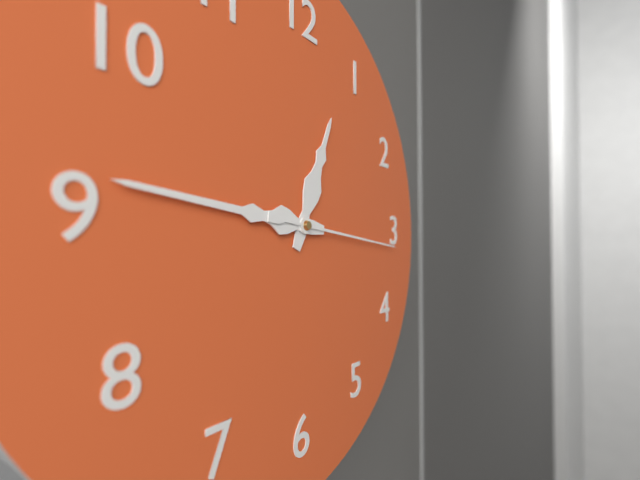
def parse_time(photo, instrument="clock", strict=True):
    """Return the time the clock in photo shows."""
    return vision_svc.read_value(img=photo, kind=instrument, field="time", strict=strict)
12:46:16
